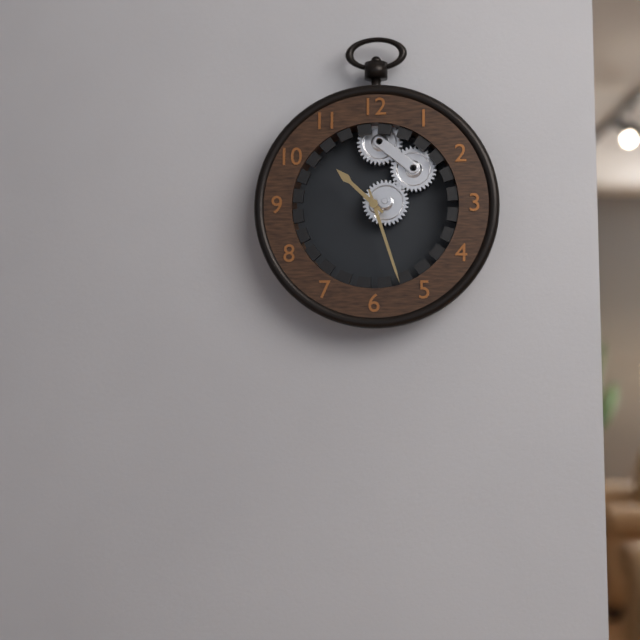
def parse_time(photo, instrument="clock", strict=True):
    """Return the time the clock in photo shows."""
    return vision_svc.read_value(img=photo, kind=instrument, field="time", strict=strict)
10:27
